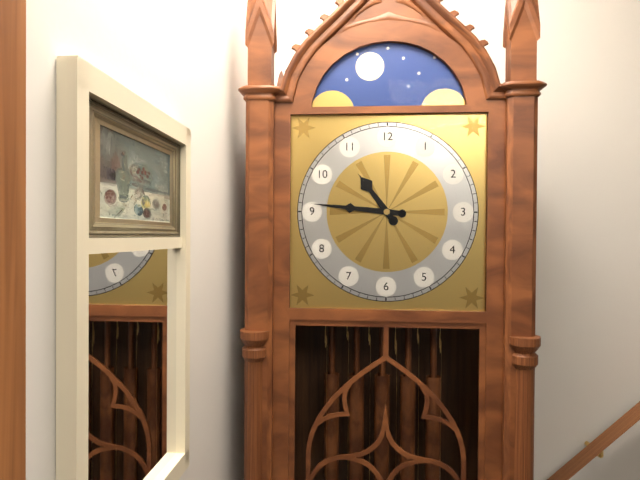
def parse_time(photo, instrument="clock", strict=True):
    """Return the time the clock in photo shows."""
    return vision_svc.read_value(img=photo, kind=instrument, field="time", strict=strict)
10:46
